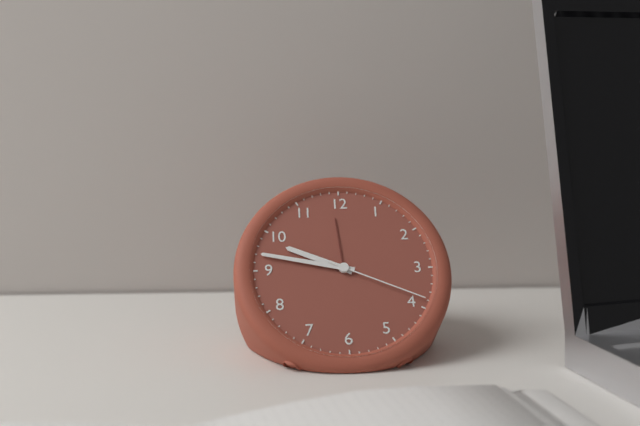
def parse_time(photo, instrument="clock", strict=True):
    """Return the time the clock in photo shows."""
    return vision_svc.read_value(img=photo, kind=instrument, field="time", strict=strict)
9:47:19
